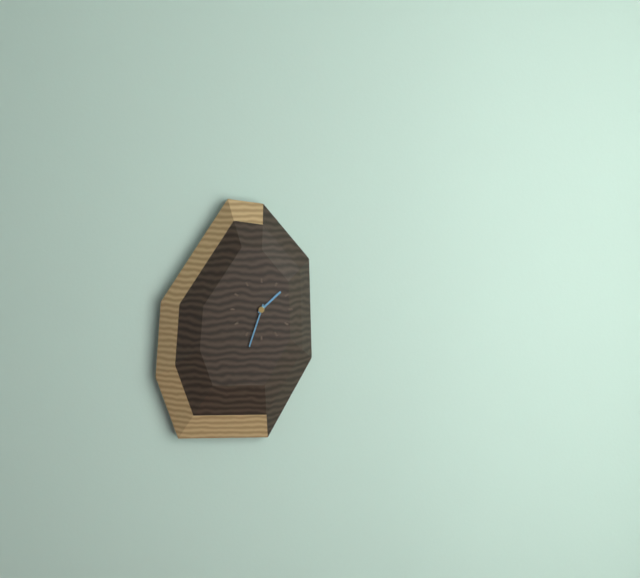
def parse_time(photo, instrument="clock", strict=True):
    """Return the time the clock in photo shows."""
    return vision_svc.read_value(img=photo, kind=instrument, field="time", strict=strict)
1:33
